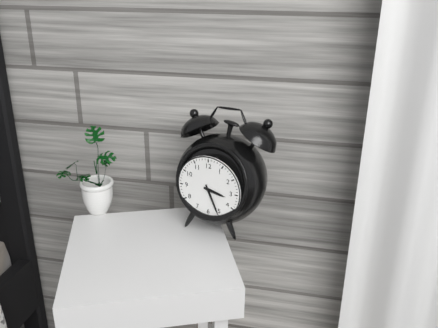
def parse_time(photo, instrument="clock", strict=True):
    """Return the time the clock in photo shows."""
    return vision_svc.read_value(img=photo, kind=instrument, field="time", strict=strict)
3:26
